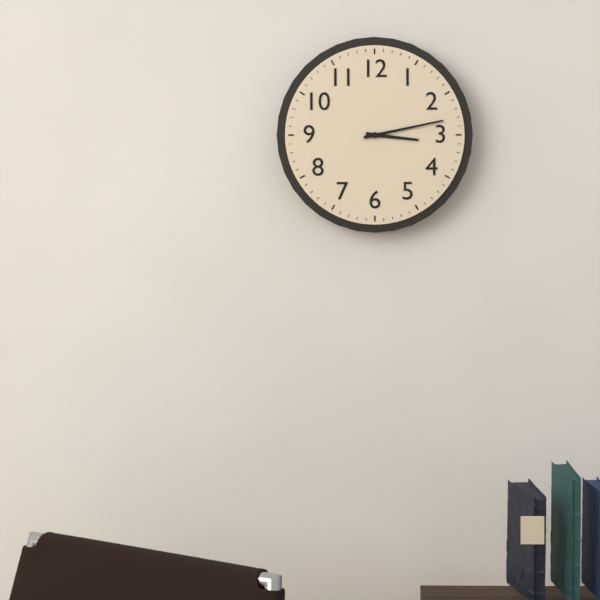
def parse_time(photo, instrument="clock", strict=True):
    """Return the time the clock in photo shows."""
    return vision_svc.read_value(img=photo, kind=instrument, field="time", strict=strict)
3:13
